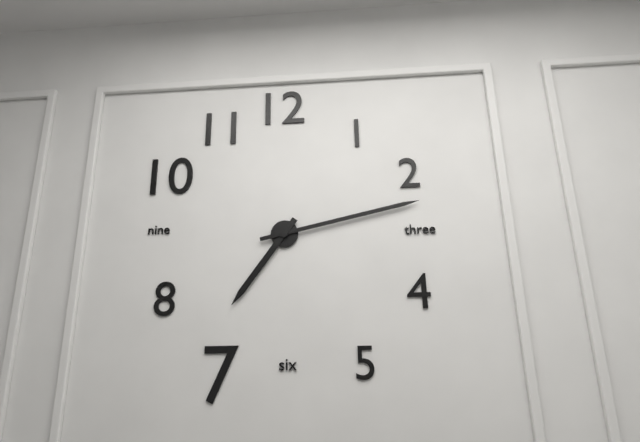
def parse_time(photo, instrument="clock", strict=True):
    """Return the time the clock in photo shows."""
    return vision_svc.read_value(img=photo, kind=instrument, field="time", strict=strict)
7:13
